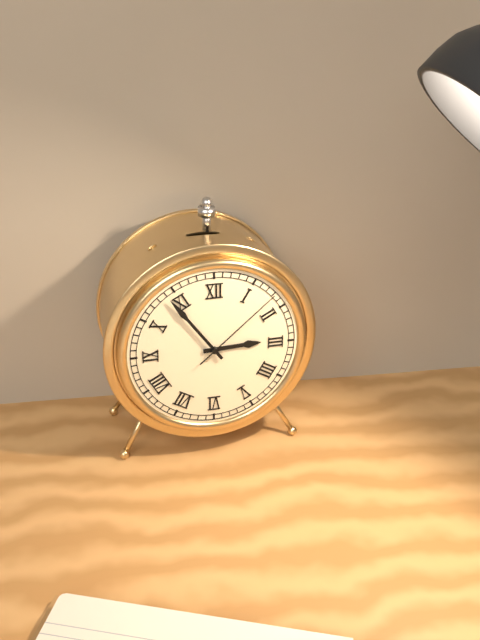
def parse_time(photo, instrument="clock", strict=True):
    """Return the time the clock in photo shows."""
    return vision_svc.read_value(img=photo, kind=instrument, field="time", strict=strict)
2:54:08
